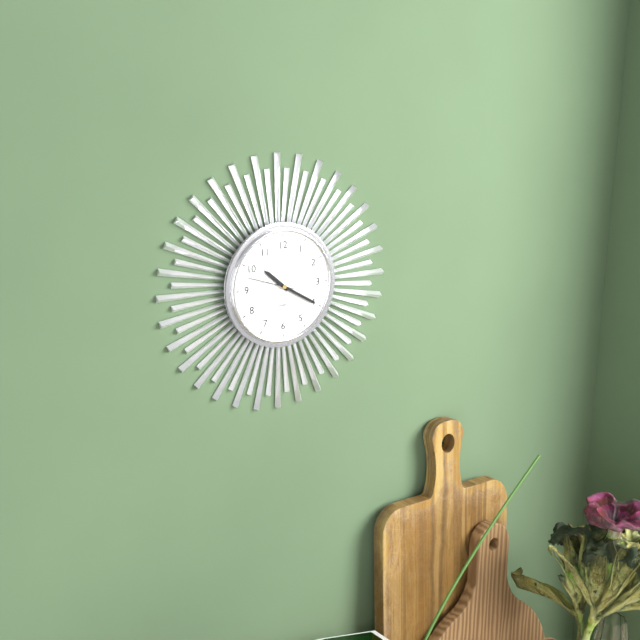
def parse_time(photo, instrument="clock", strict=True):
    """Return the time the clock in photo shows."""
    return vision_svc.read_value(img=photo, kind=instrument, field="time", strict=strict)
10:20:48
